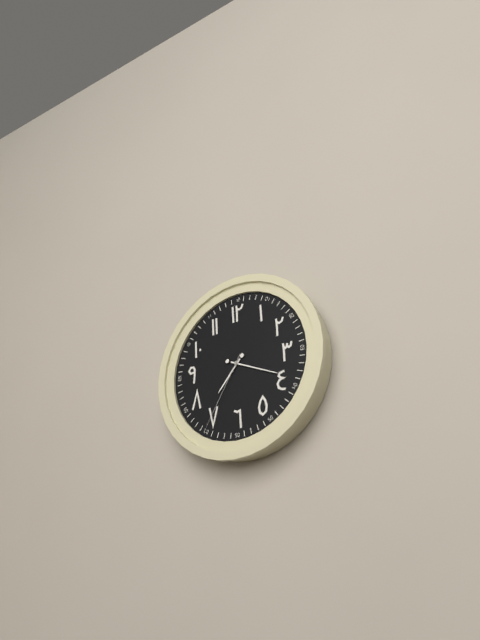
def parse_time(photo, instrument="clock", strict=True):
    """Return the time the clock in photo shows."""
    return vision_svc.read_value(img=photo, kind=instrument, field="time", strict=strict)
7:19:35
